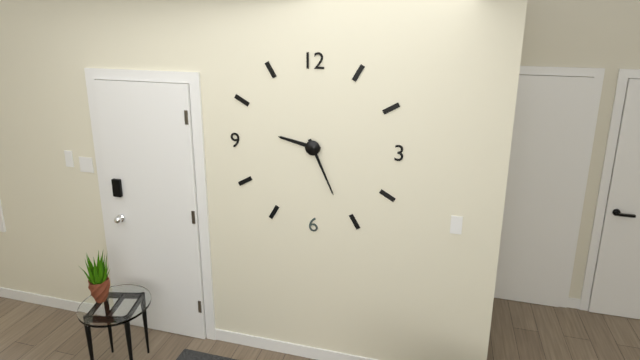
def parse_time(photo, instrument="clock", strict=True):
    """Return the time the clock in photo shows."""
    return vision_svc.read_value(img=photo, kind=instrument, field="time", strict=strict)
9:26
